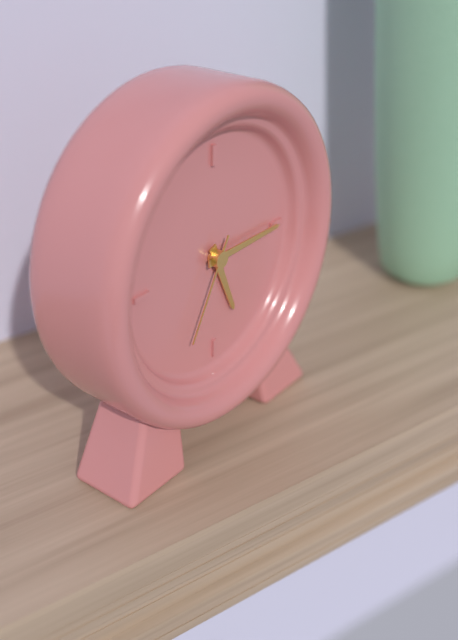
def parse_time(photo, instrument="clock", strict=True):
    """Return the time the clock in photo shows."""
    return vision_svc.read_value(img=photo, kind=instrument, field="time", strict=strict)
5:15:35
